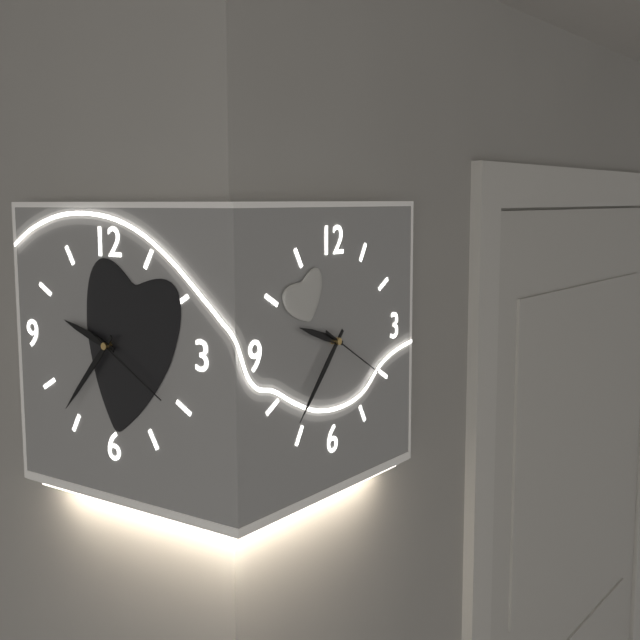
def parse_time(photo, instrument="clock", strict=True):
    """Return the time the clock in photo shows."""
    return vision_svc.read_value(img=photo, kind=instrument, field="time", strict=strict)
9:37:20
